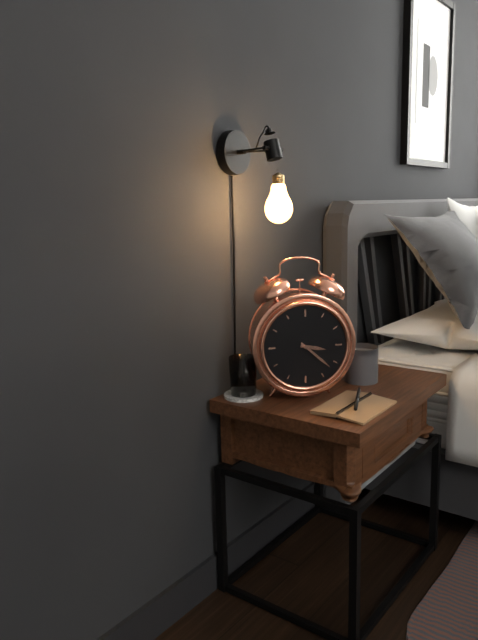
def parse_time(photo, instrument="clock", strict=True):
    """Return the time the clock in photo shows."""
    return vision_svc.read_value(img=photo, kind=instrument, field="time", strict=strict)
3:22
